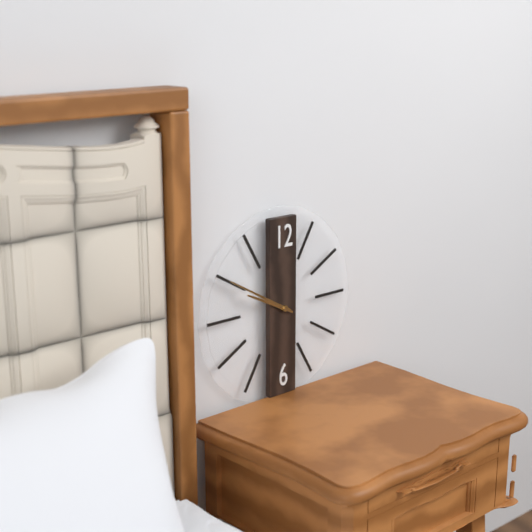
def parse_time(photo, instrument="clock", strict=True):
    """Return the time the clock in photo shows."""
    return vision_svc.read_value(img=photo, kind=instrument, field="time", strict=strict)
9:50
